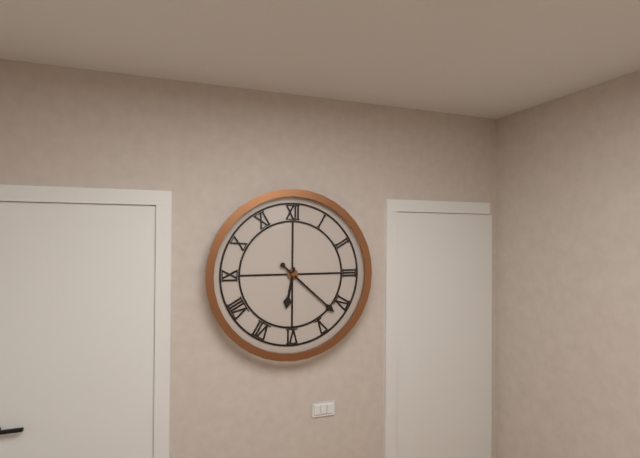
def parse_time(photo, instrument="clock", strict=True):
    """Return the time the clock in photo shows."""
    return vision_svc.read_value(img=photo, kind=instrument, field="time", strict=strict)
6:22
